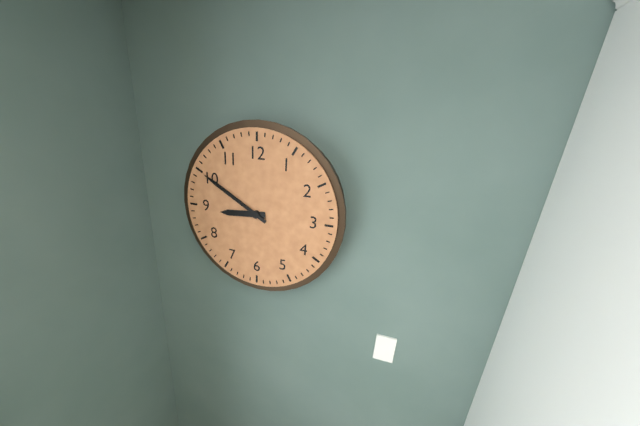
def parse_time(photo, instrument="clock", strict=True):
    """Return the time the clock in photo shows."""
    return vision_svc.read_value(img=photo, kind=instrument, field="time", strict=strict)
8:50
